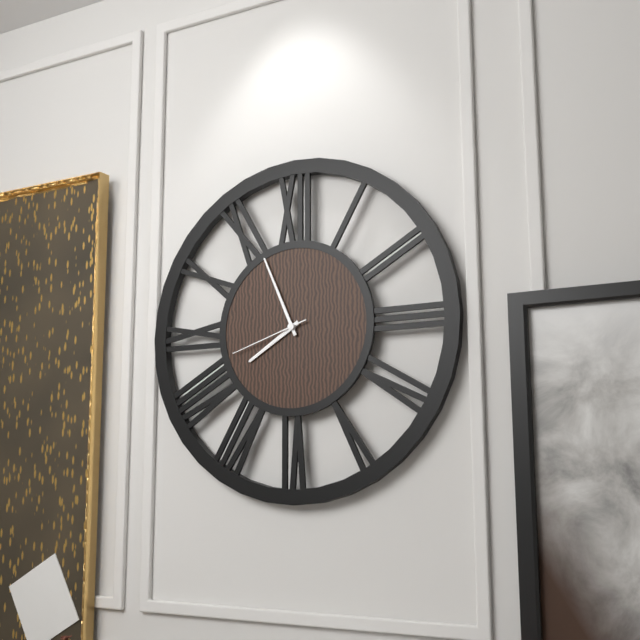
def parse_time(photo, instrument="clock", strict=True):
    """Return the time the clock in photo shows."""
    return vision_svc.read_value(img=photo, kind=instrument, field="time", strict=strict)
7:56:42
